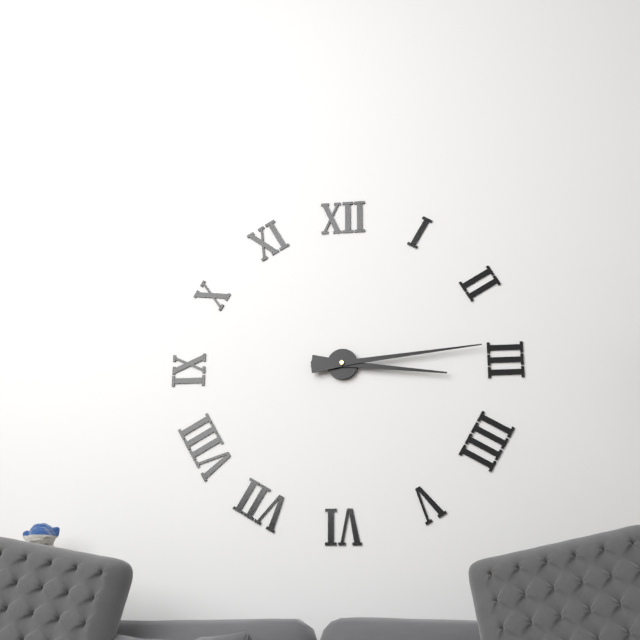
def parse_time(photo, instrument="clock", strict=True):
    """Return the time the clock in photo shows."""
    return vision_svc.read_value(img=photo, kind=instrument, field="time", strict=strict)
3:14
